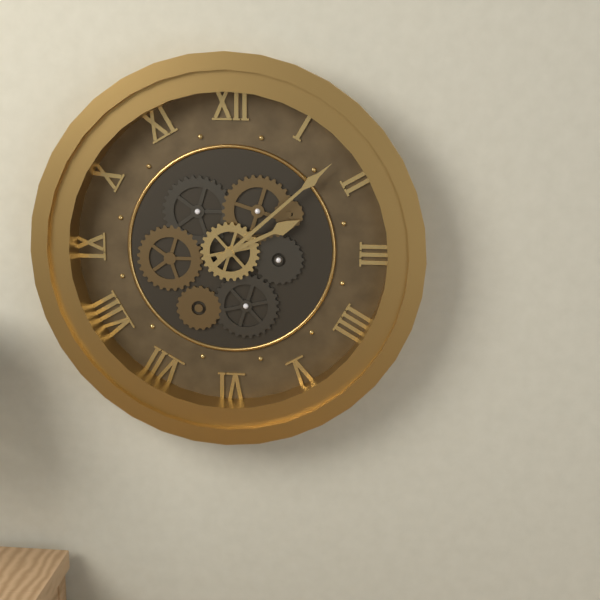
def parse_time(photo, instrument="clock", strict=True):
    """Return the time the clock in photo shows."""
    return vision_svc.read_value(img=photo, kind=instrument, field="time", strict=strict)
2:08
